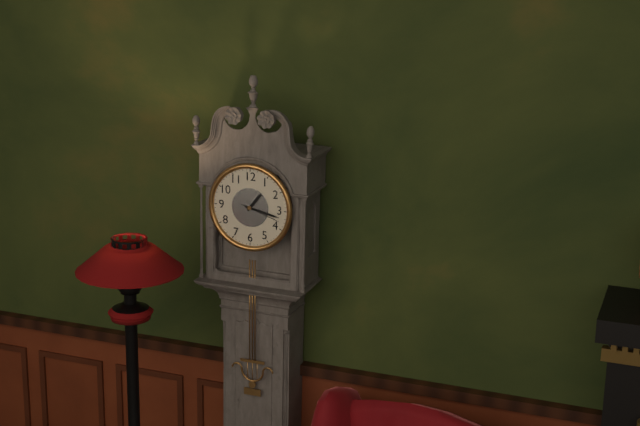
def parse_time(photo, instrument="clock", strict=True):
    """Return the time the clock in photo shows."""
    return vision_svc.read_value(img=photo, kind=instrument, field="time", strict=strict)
1:17
